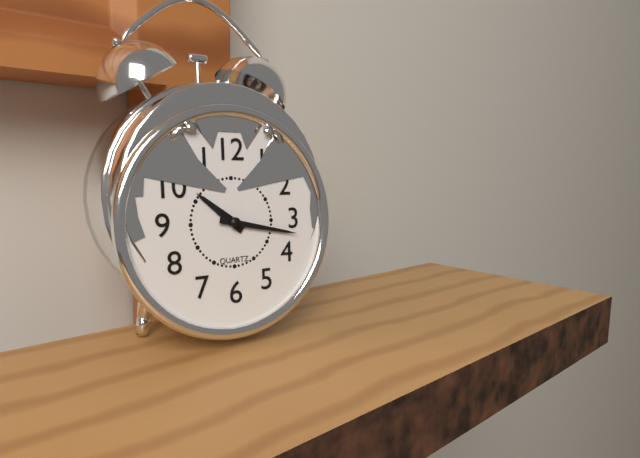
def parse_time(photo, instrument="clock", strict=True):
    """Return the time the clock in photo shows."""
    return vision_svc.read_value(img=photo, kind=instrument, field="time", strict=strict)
10:17
